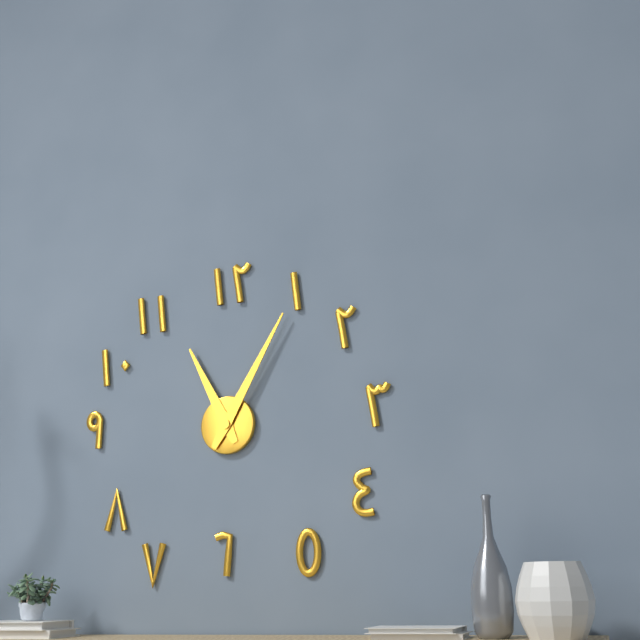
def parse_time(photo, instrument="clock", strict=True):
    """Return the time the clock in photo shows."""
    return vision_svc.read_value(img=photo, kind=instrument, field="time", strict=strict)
11:05
